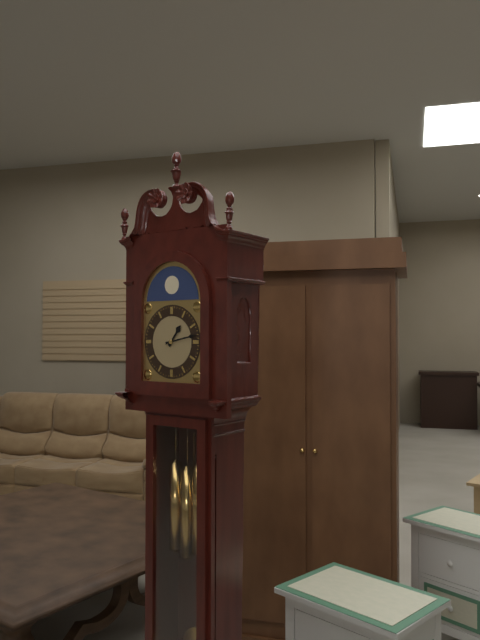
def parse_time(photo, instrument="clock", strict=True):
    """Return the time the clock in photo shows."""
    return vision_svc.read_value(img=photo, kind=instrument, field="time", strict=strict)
1:13
